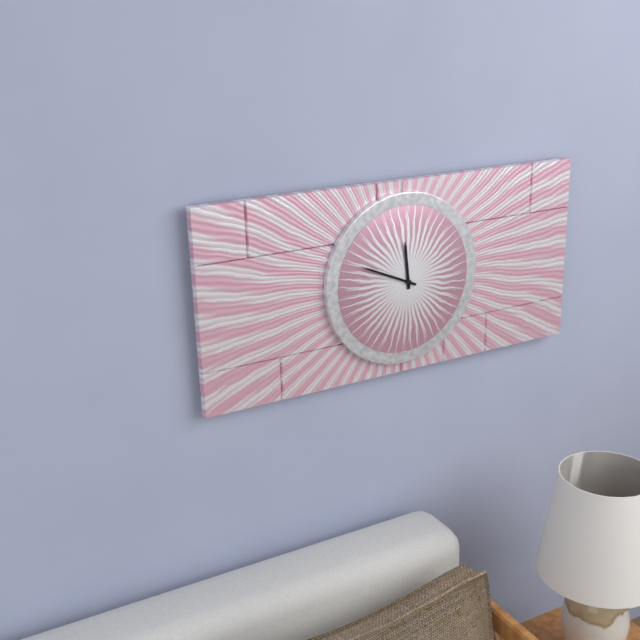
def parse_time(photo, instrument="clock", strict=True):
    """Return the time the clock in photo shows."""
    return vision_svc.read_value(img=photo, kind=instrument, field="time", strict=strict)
11:49
